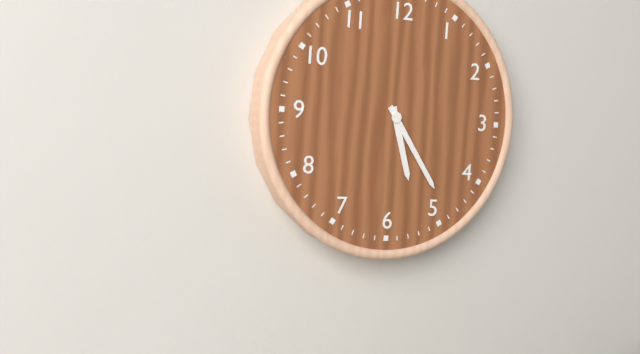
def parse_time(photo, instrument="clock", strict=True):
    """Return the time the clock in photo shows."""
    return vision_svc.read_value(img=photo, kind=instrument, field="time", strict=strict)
5:24
